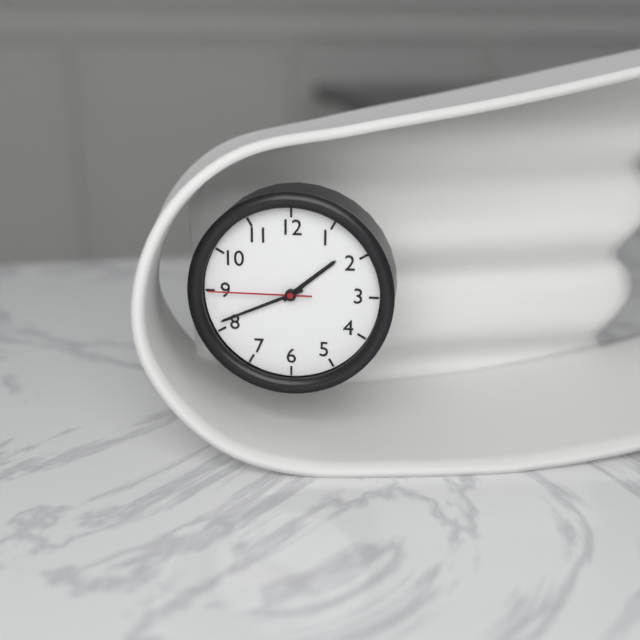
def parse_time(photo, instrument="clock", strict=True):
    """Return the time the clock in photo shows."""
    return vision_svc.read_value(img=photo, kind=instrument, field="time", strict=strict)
1:41:45
